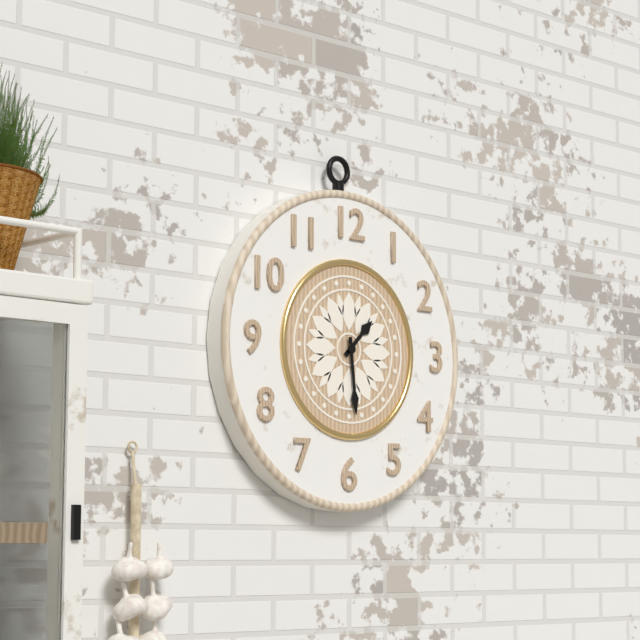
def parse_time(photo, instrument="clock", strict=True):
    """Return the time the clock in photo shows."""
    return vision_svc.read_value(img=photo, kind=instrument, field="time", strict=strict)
1:29
